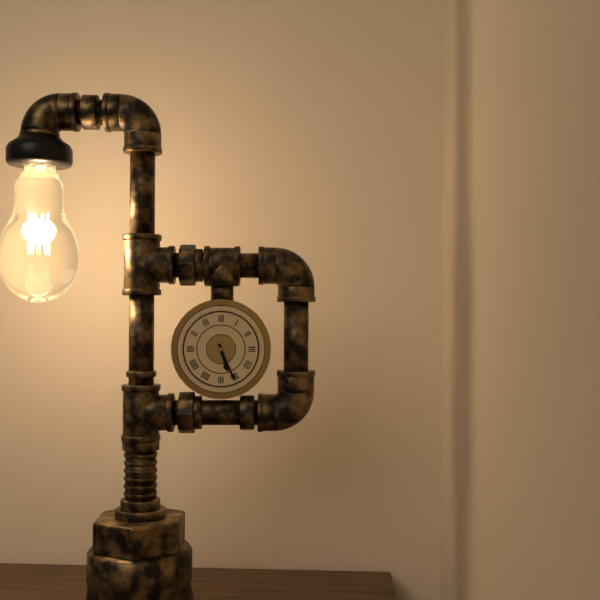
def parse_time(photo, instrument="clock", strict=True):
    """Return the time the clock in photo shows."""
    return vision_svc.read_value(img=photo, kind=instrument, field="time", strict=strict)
5:26
